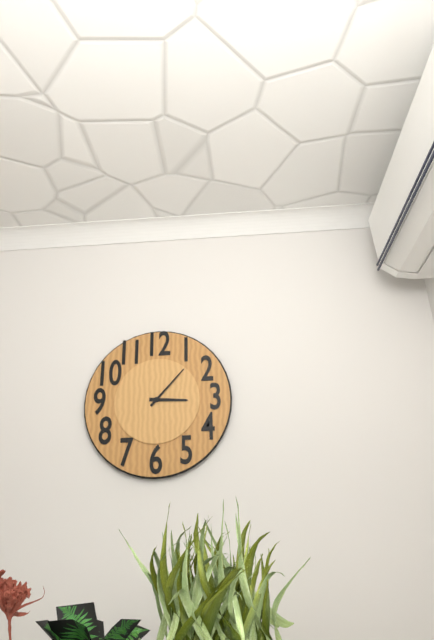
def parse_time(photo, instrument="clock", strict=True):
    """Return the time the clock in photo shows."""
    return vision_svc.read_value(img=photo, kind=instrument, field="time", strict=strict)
3:07
